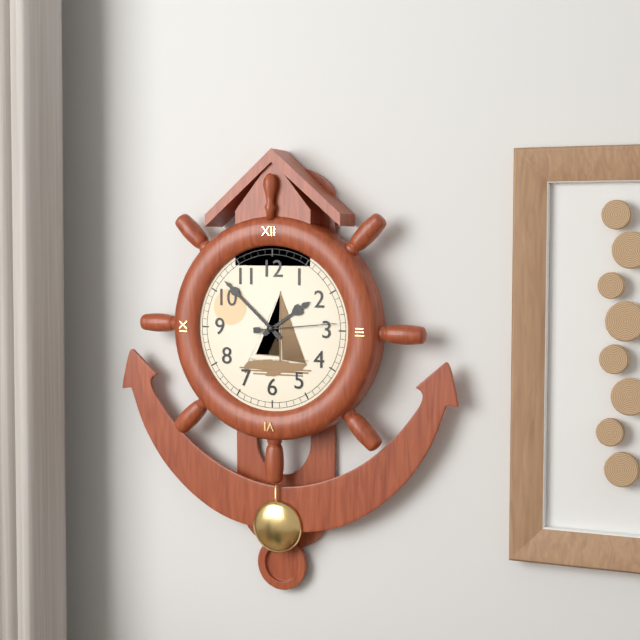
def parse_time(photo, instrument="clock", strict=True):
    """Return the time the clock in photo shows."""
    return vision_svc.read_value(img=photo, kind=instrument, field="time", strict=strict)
1:52:14
